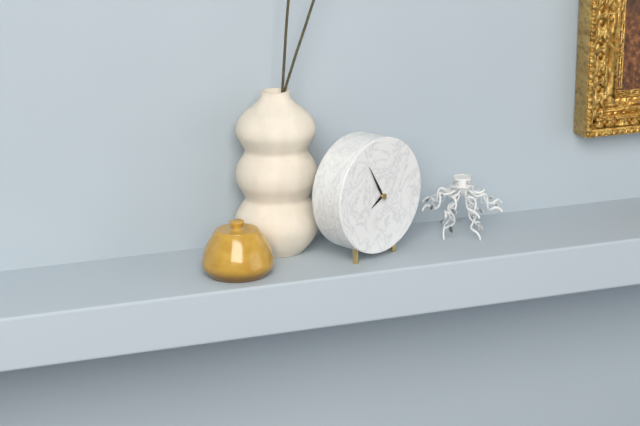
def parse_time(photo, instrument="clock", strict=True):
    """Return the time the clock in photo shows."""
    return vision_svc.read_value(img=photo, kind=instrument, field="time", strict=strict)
7:55
